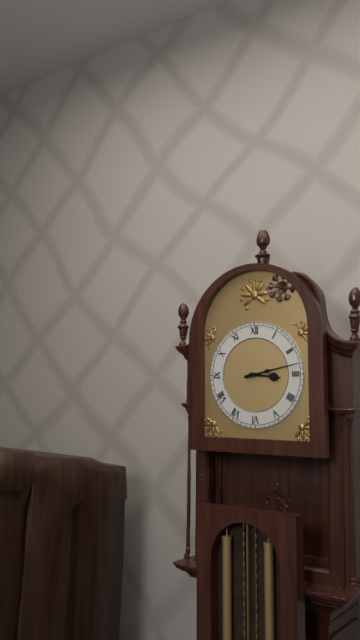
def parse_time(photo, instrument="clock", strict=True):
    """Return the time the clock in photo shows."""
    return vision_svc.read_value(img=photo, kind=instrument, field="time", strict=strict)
3:13
